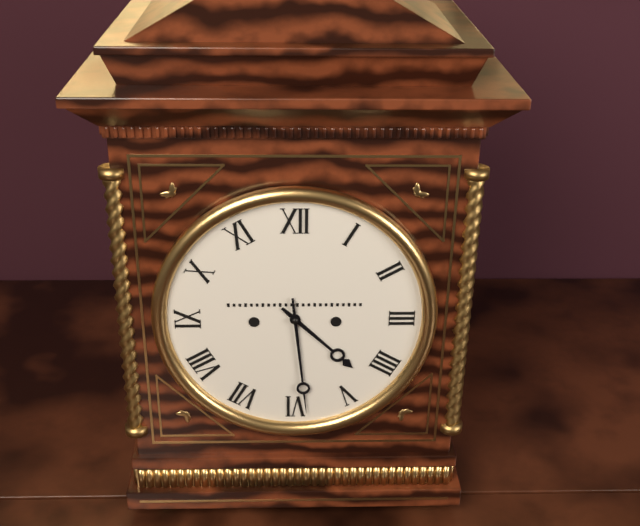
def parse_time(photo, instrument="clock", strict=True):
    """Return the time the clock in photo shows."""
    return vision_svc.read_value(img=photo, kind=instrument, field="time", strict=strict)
4:29
